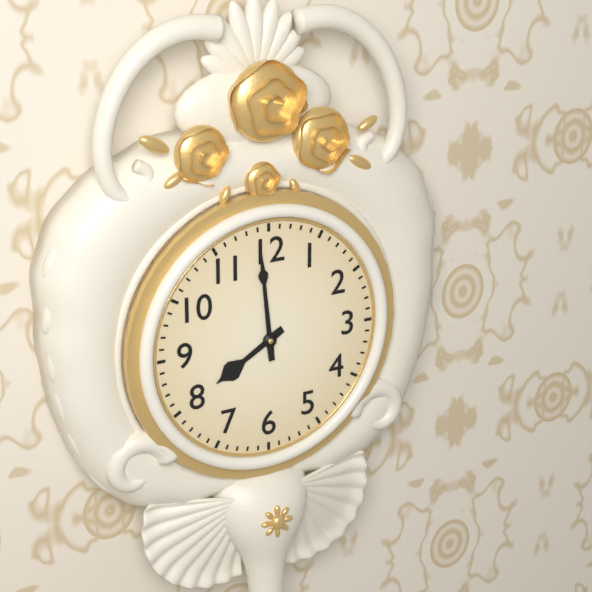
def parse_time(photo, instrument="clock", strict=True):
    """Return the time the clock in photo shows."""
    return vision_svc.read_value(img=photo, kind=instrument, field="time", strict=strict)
7:59
